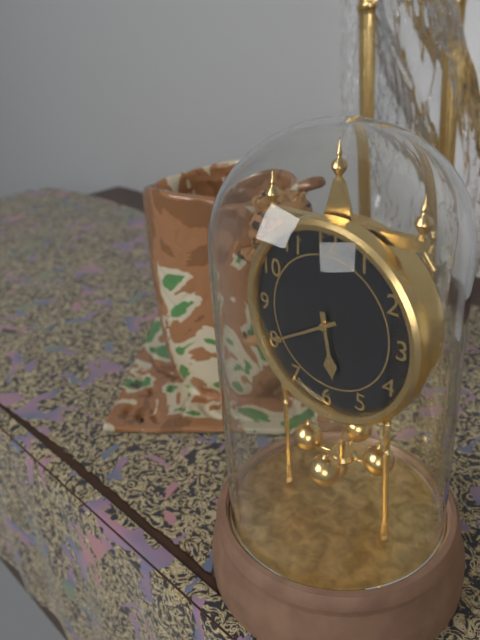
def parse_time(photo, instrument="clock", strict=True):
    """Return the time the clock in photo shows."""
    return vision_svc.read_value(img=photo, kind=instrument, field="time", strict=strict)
5:40
